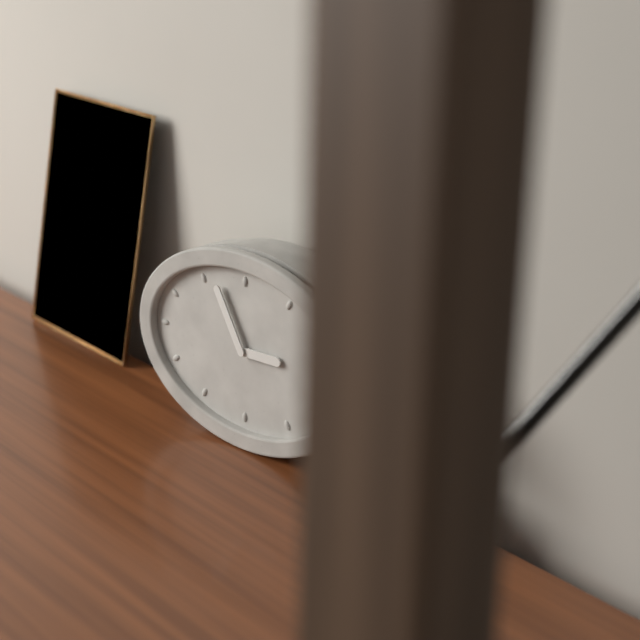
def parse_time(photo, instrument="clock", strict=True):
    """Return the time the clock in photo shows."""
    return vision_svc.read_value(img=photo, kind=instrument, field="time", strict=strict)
2:55
